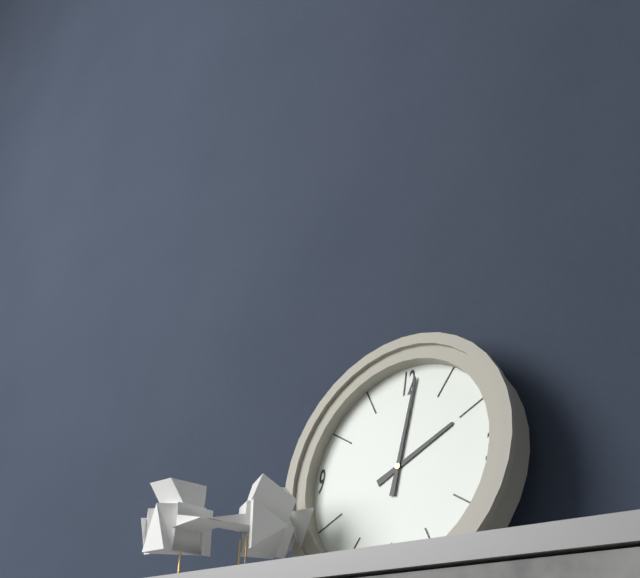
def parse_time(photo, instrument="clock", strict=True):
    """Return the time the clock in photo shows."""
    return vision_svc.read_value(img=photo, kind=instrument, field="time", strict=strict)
2:01
